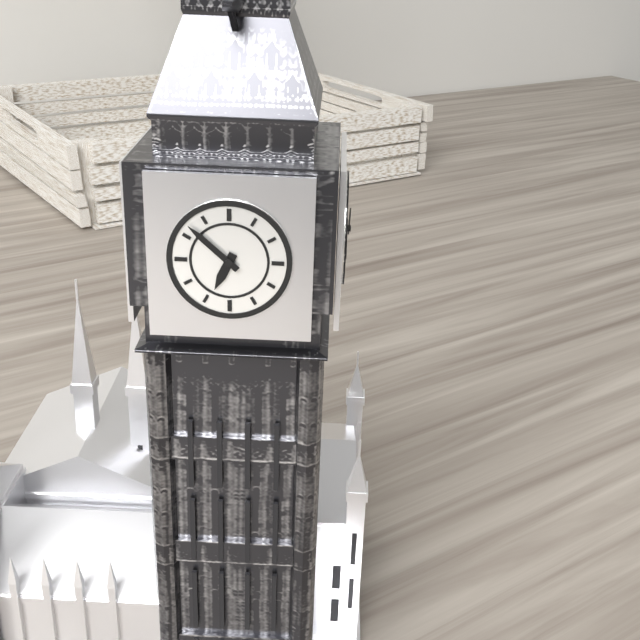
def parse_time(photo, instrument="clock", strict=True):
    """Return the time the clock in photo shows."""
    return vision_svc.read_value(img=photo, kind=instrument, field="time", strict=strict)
6:52
